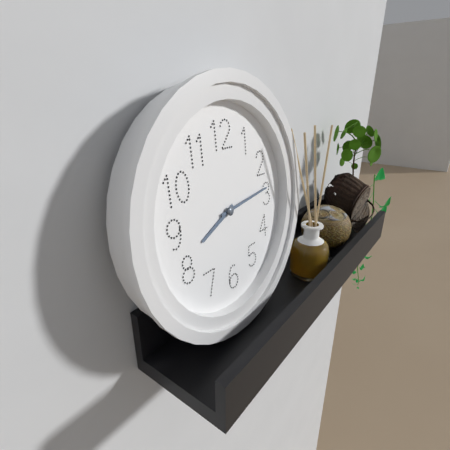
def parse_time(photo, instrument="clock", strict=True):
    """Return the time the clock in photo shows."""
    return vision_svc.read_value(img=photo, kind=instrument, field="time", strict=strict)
8:14
